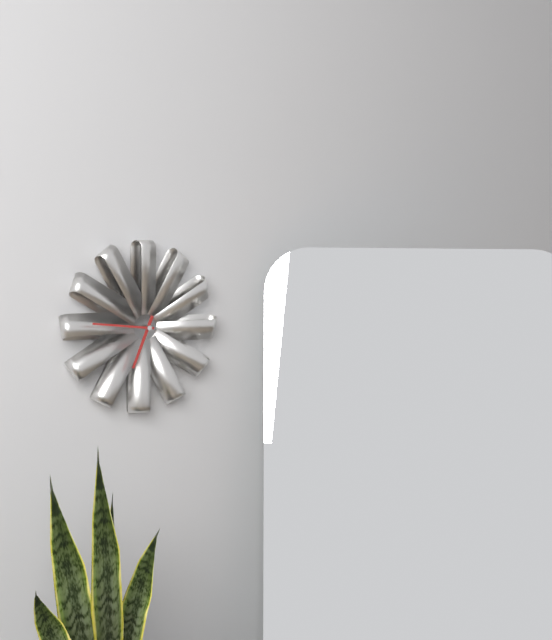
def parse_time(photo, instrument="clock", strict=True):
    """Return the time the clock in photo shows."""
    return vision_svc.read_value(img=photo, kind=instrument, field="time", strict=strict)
6:46
